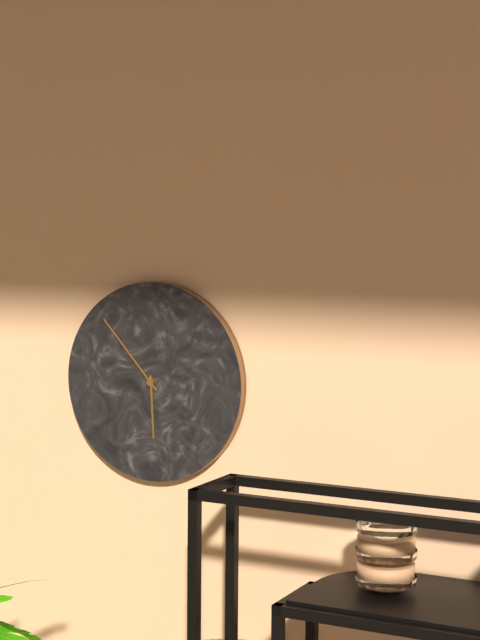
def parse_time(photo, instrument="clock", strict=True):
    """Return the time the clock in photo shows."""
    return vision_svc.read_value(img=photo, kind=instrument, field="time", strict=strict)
5:53
